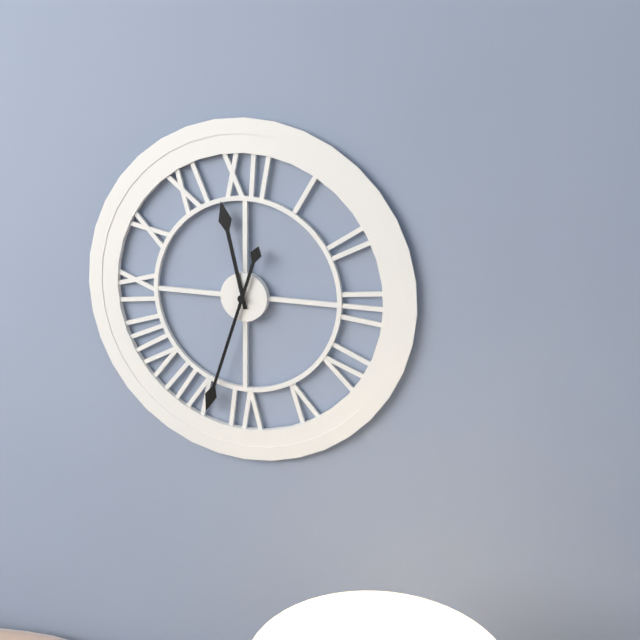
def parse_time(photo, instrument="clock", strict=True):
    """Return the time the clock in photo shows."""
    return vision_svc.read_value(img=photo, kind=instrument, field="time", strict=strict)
11:33
